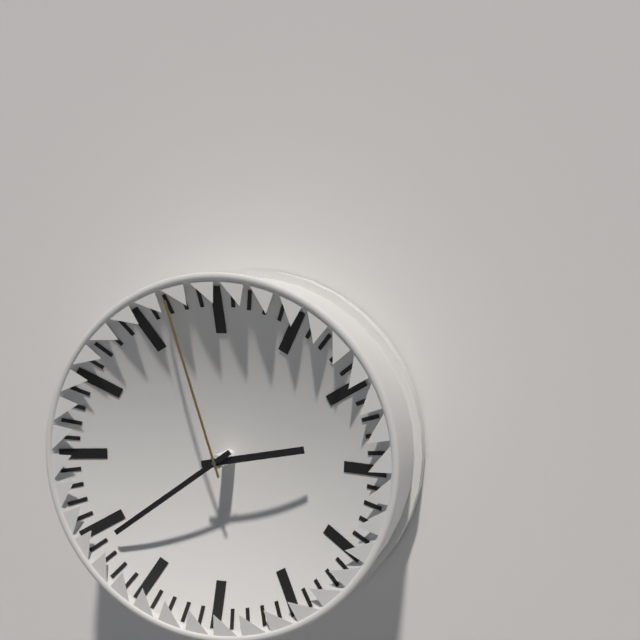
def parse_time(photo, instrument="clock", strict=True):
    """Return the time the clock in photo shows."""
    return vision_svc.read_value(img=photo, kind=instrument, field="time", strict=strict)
2:39:57
